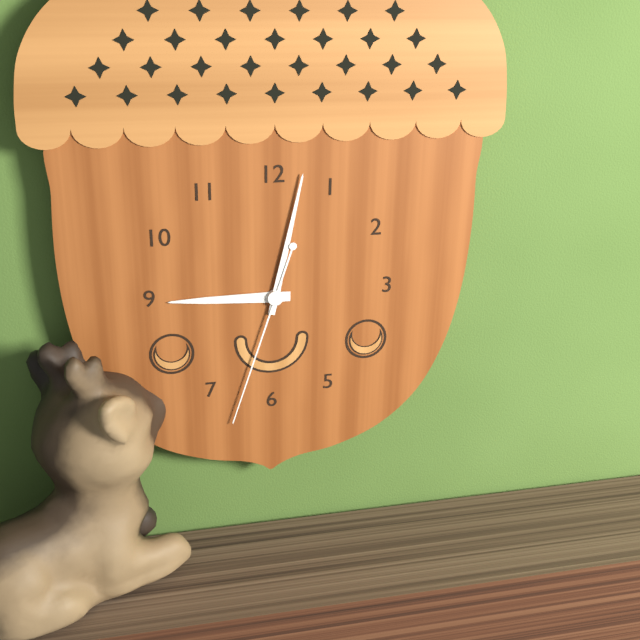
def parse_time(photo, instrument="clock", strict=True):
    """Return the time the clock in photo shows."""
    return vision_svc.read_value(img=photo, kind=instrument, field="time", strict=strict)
9:02:33
